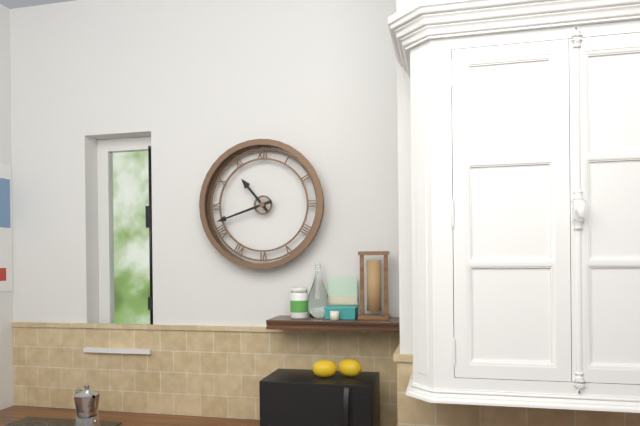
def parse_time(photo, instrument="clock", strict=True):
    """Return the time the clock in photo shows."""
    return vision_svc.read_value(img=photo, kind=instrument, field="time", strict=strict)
10:42
